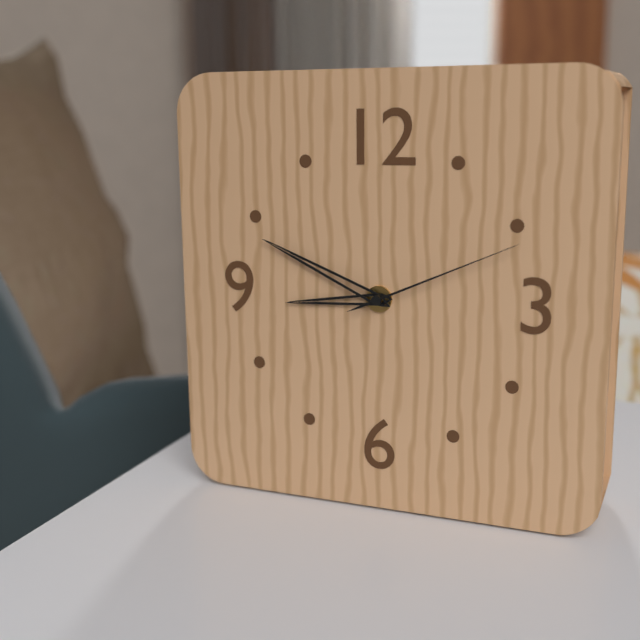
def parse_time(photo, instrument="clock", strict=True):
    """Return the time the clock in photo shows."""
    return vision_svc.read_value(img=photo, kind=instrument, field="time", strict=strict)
8:49:11
